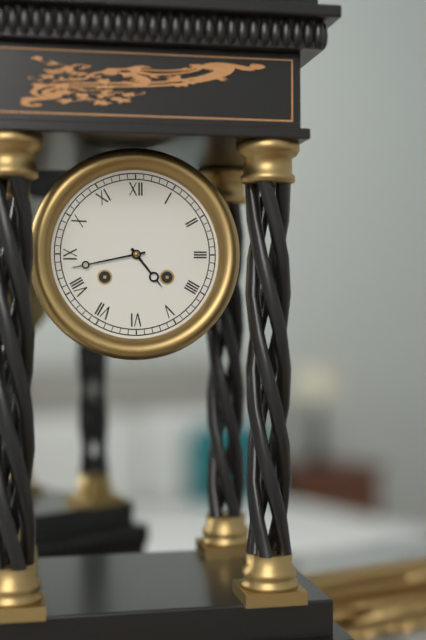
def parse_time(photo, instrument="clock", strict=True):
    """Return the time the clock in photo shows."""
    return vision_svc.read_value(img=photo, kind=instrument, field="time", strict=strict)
4:43
